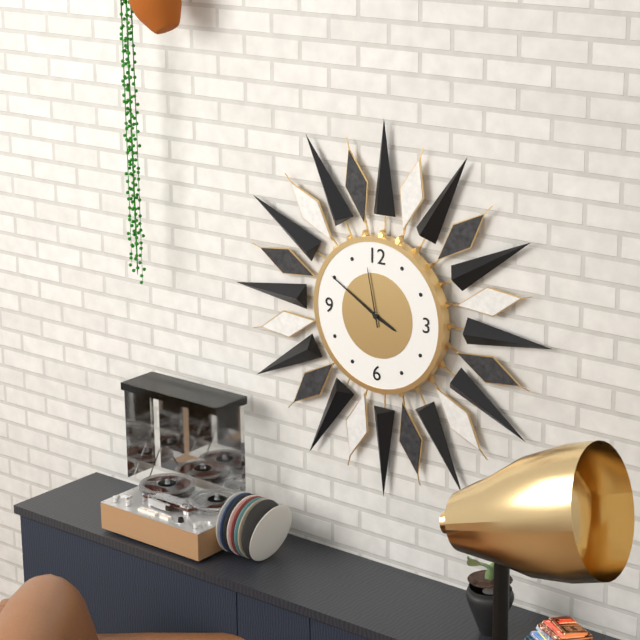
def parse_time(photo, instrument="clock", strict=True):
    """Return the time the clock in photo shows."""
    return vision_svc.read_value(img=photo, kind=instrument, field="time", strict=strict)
3:50:58
